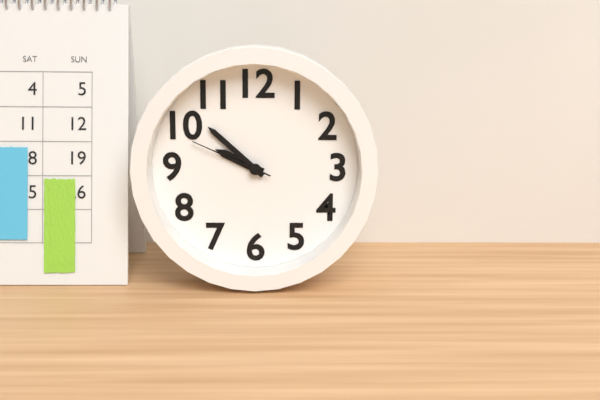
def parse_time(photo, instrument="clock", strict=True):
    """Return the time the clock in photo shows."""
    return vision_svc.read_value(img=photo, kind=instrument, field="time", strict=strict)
9:52:49
